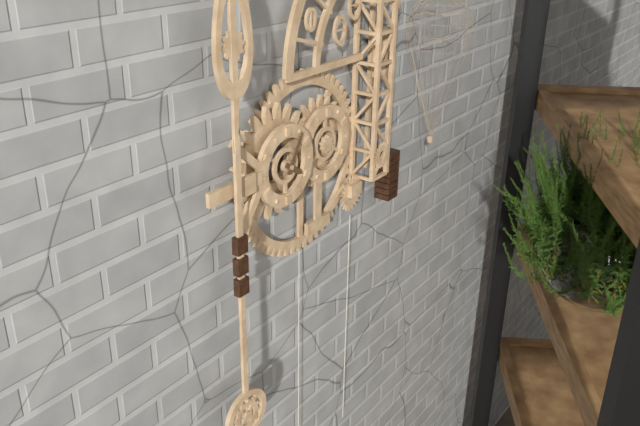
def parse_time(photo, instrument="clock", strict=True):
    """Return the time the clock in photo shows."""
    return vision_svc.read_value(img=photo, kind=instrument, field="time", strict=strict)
4:05
